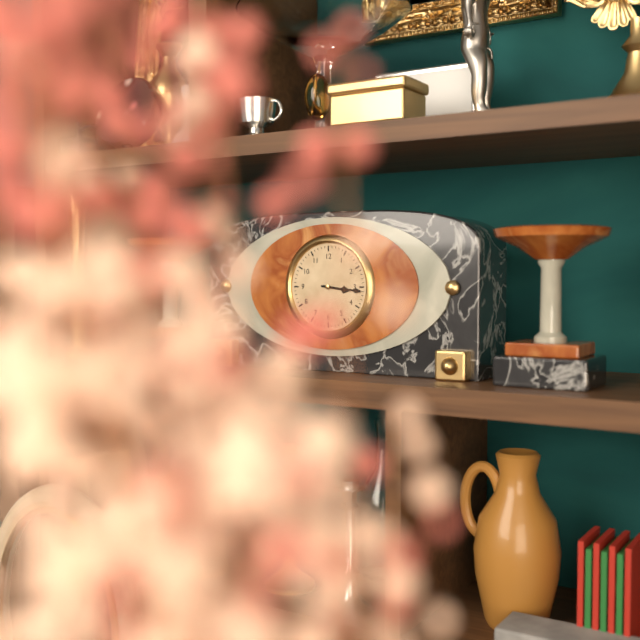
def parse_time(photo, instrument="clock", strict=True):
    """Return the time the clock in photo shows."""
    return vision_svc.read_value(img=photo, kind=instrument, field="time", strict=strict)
3:16
